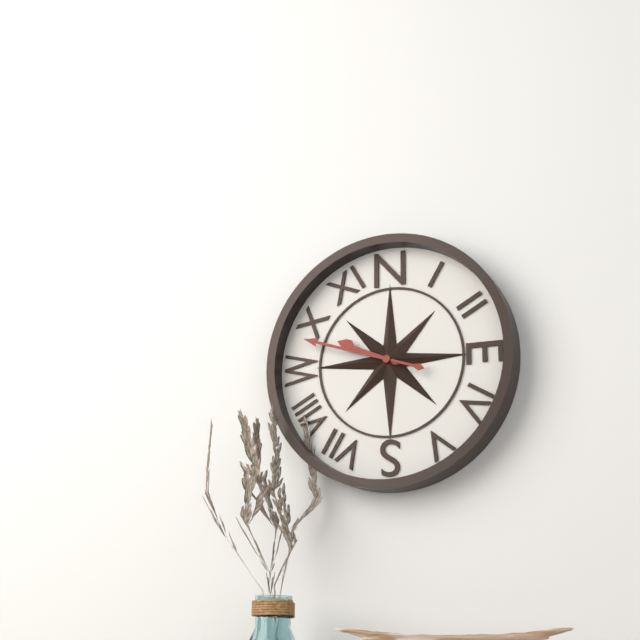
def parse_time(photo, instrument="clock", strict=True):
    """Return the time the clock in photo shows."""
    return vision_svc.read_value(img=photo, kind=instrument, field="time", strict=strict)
9:48
